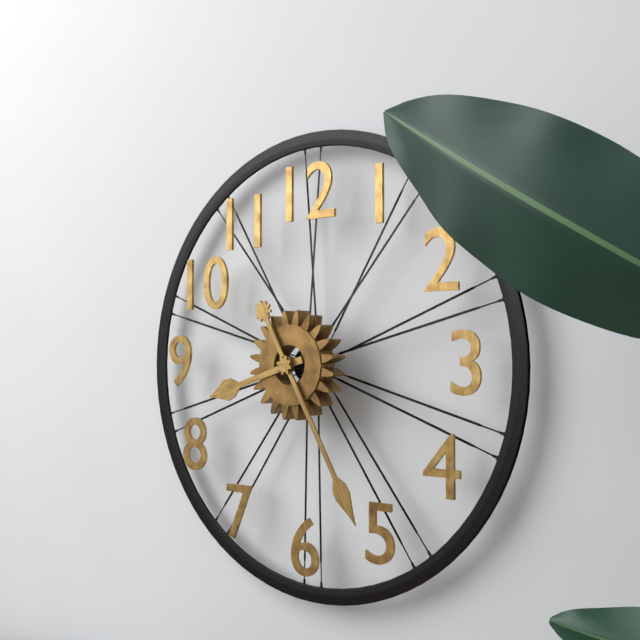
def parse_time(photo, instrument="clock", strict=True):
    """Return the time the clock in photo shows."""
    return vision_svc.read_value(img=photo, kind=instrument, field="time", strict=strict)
8:25
